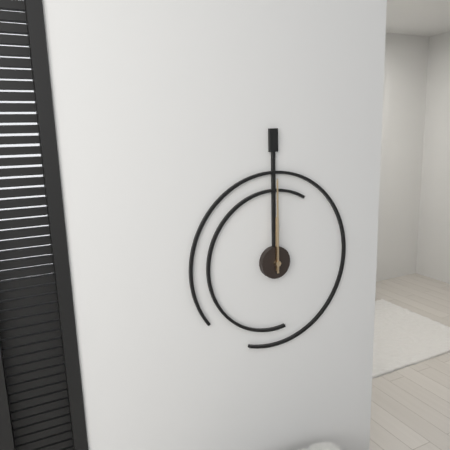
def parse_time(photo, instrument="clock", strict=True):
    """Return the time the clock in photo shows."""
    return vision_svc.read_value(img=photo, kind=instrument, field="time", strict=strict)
12:00
